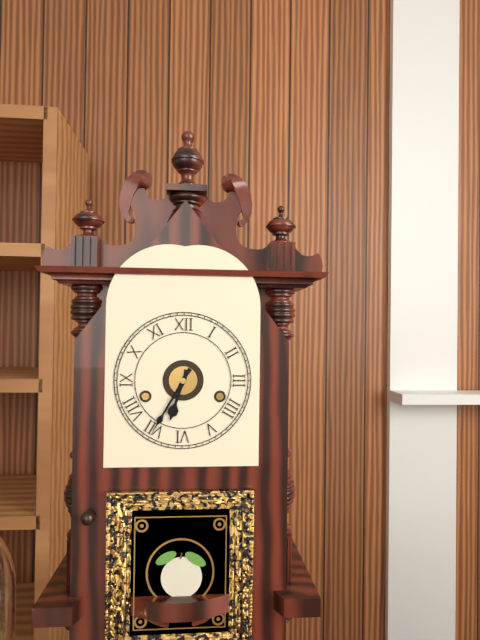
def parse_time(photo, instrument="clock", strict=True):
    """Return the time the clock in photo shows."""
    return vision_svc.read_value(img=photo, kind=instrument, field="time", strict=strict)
6:35
